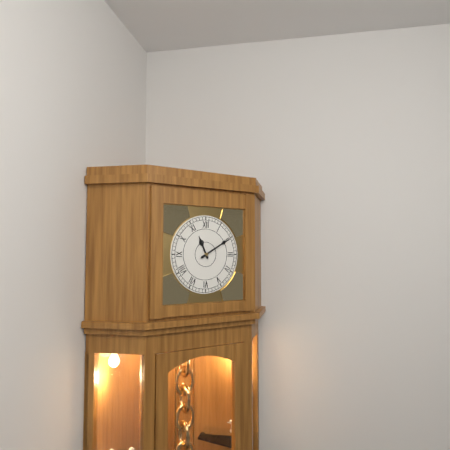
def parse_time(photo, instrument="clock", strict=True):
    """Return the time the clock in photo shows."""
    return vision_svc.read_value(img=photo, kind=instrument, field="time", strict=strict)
11:10
